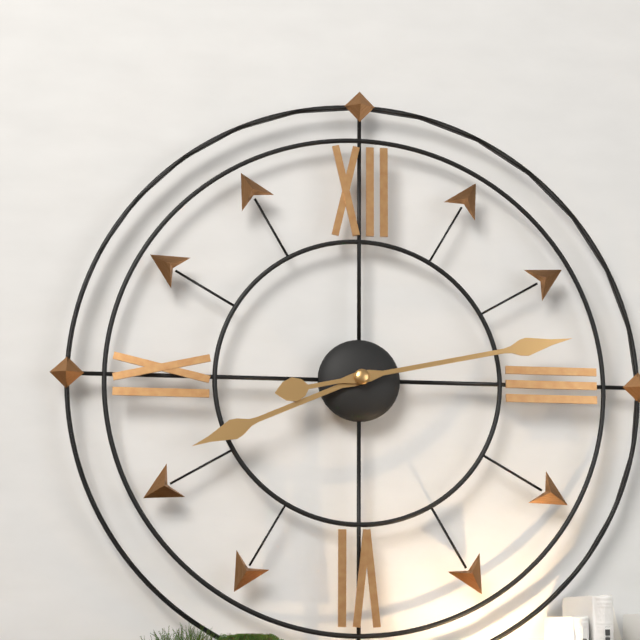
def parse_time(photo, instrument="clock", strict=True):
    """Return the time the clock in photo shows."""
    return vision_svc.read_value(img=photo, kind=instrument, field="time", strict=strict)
8:13
